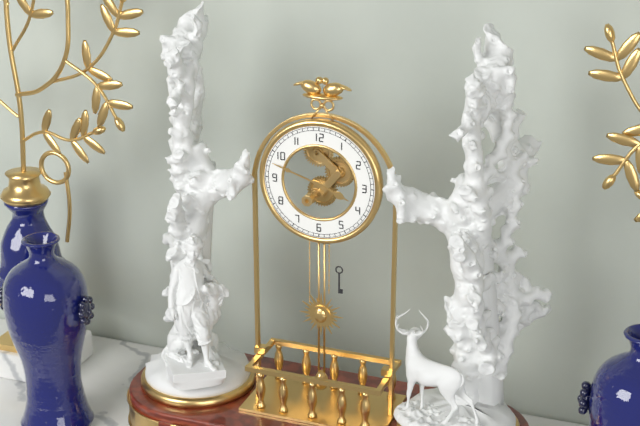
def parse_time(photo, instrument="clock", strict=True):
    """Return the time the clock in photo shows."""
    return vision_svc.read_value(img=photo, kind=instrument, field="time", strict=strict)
3:48
